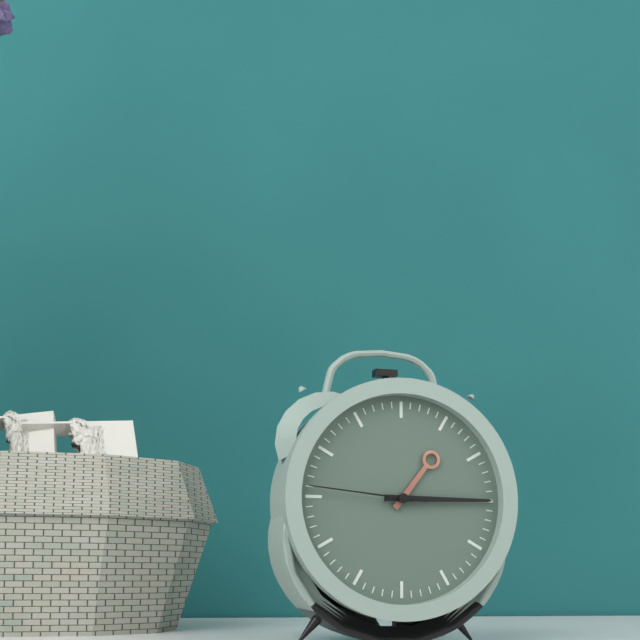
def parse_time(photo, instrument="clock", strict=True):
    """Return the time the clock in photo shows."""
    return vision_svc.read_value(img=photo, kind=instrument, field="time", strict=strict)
1:15:46
